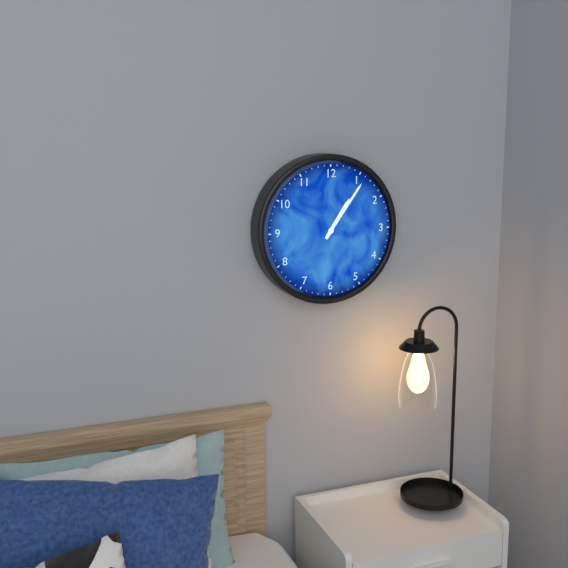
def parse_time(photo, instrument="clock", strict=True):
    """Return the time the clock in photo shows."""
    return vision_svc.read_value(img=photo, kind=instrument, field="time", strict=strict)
1:06
